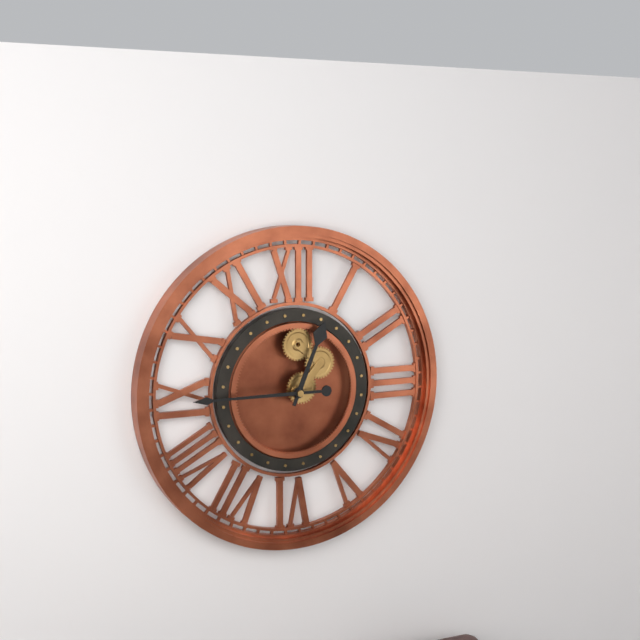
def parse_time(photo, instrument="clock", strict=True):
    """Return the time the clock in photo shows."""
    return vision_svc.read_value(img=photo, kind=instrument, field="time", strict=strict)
12:45
